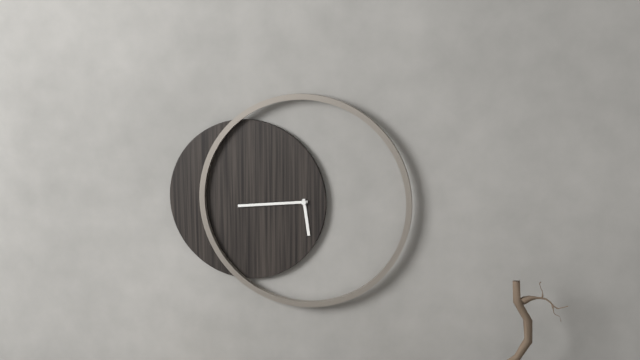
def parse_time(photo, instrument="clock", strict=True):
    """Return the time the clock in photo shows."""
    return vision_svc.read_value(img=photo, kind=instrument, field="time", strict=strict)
5:44
